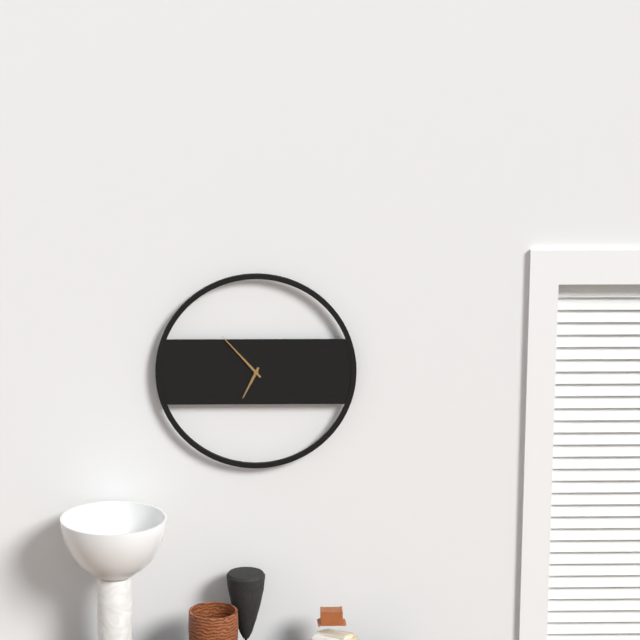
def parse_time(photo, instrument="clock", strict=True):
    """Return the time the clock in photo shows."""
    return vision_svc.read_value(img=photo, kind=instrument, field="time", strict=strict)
6:53
